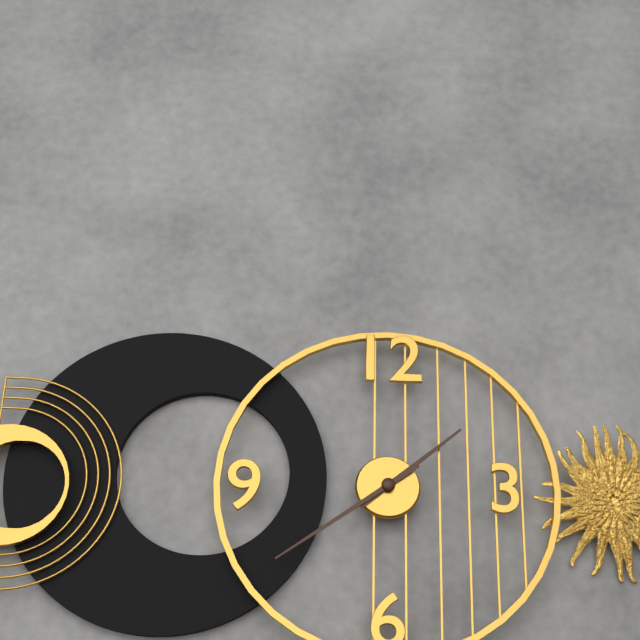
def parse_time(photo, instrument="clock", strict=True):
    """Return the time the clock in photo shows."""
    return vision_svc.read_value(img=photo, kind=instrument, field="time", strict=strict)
1:39
